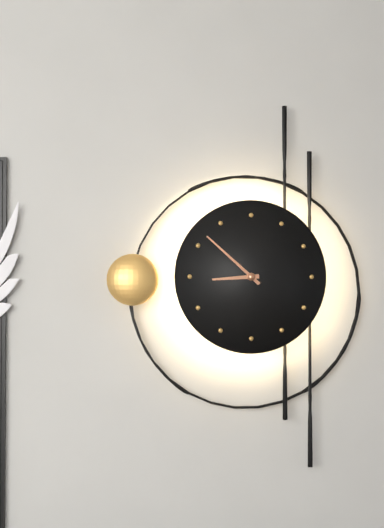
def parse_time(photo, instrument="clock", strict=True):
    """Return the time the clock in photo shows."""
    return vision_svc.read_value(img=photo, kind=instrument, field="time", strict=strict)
8:52
